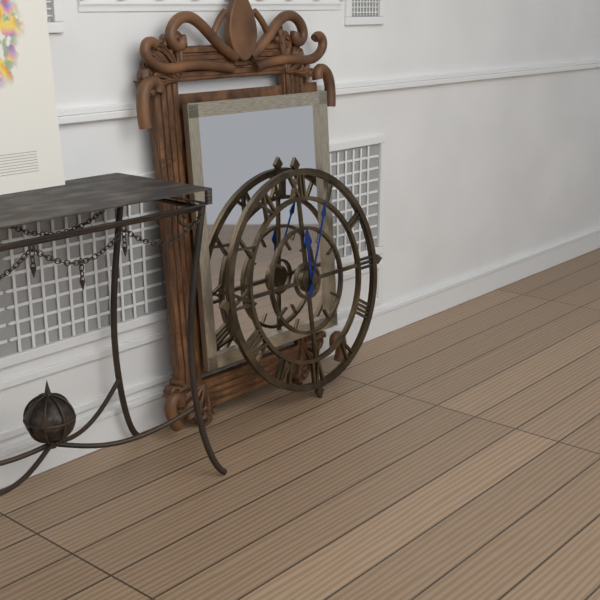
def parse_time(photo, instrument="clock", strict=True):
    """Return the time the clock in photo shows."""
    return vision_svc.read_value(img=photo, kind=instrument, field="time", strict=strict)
12:04
